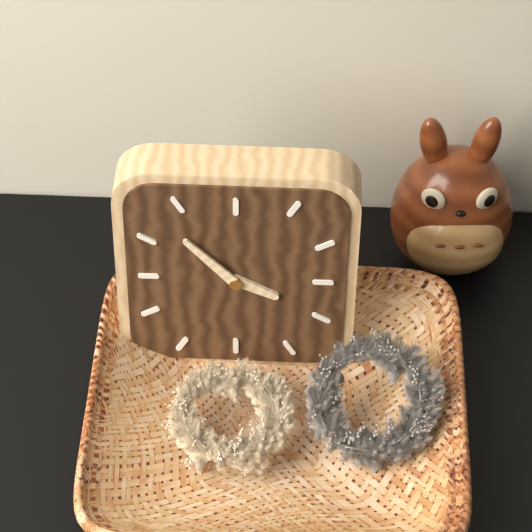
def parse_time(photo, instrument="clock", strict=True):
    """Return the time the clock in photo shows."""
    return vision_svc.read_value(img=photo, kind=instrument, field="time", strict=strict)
3:53
